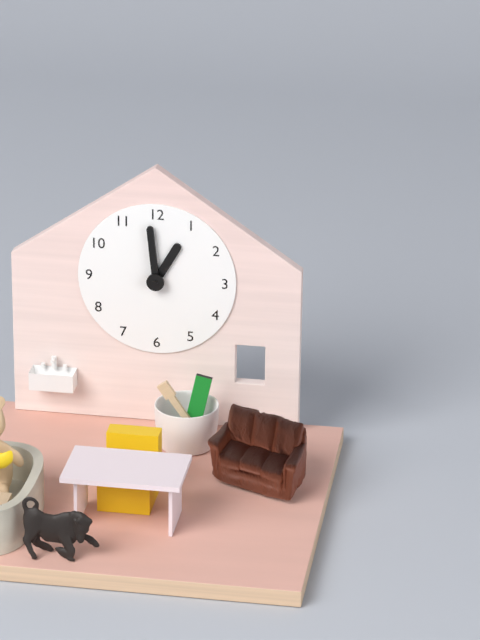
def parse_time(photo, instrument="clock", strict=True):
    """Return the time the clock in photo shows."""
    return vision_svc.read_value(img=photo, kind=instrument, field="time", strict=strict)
12:59
